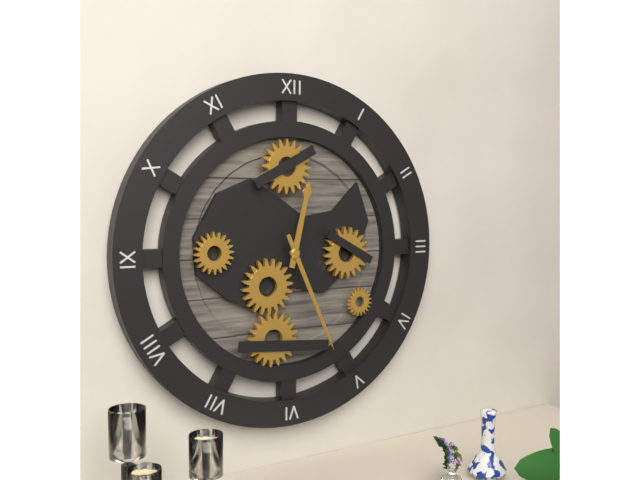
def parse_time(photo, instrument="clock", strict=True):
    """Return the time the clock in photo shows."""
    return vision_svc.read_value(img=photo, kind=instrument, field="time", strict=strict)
12:26
